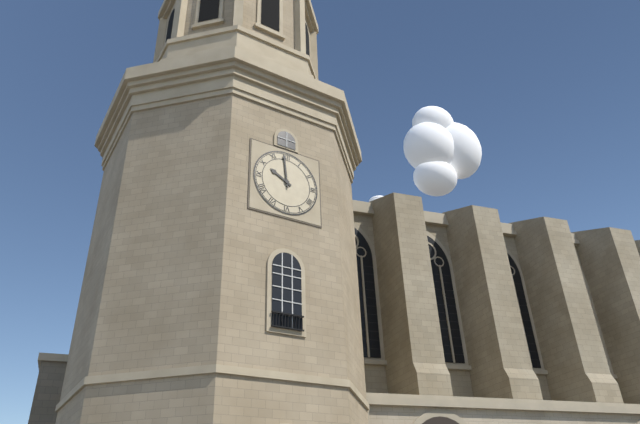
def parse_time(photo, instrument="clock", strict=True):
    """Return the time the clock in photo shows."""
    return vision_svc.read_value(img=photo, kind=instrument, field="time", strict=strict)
9:59
